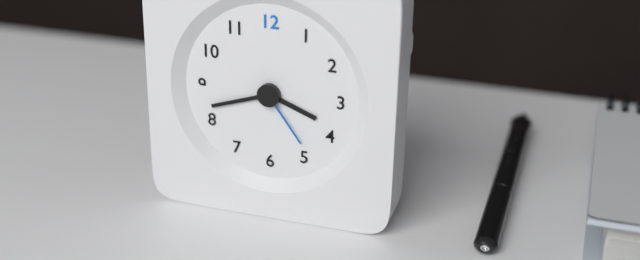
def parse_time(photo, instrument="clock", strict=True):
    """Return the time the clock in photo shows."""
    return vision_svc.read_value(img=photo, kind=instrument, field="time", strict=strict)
3:42:24
